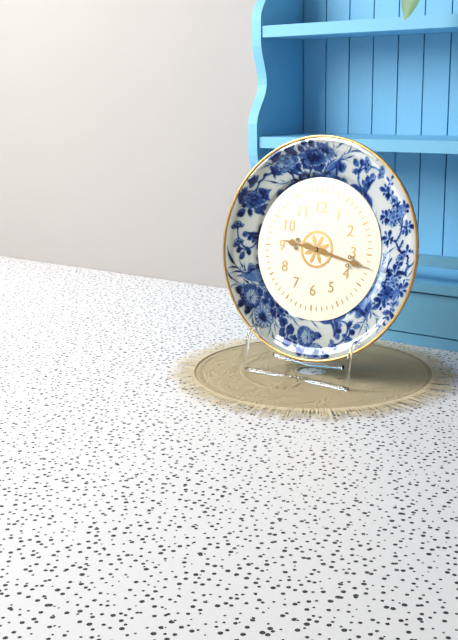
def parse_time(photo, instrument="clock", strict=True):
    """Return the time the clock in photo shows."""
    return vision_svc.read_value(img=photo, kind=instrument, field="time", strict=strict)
9:17
